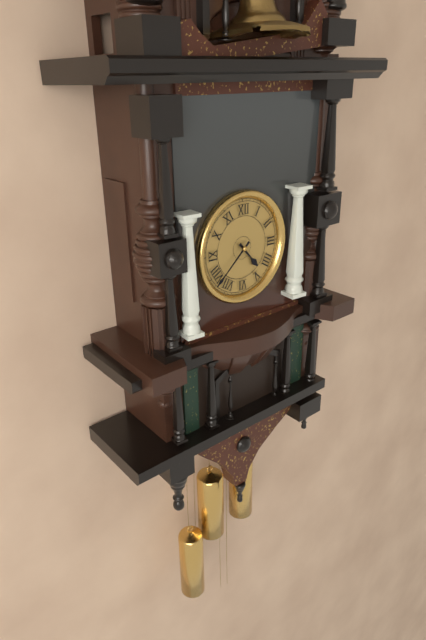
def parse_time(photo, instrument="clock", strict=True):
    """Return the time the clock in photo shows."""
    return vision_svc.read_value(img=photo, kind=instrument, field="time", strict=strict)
4:38
